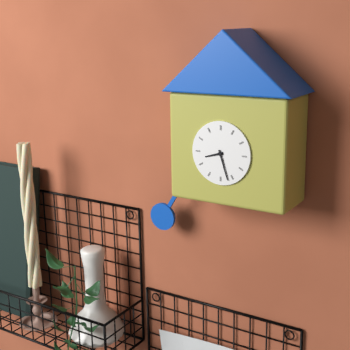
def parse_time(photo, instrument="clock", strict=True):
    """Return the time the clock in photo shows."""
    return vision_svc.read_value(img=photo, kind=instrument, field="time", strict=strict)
8:27
